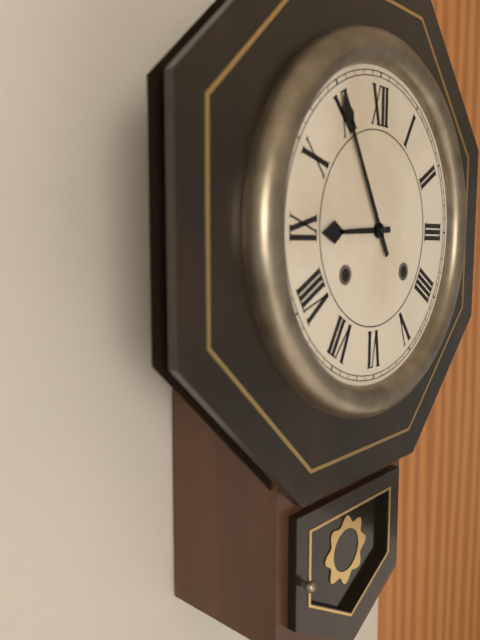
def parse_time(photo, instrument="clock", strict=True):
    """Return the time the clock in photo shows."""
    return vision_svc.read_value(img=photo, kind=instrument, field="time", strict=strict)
8:55
